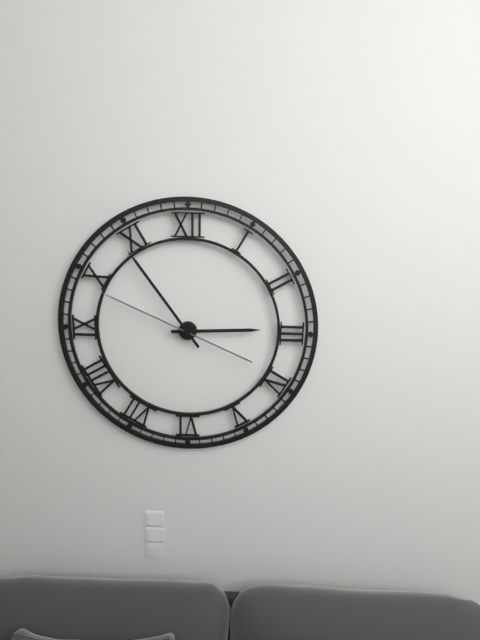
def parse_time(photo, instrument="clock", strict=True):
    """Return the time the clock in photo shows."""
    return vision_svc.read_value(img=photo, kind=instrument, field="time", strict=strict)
2:54:49
